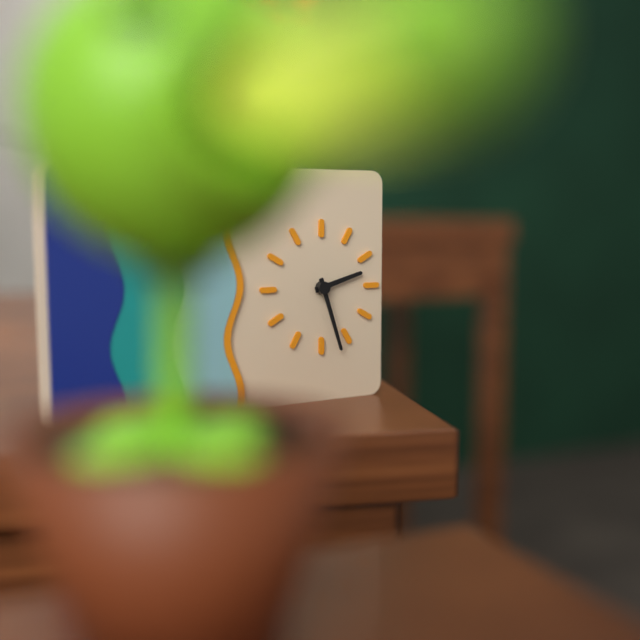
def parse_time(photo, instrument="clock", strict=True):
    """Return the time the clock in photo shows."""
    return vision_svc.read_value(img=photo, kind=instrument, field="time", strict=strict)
2:27
